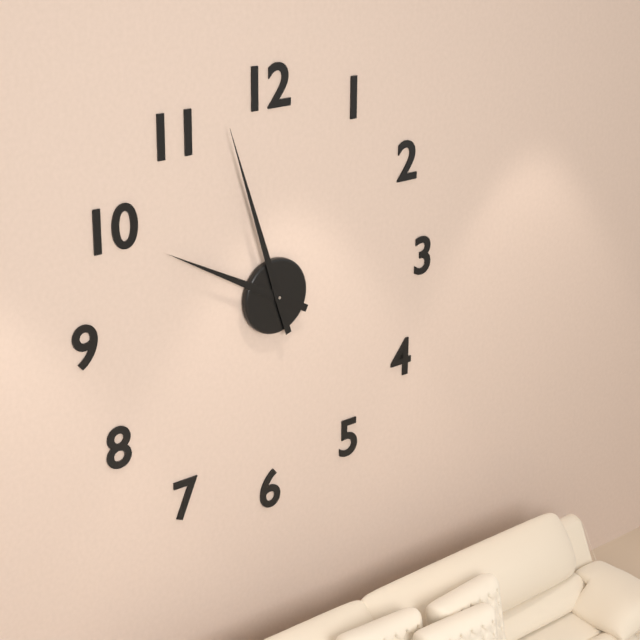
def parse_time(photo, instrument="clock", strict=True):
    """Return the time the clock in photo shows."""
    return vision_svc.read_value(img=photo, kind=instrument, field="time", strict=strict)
9:57
